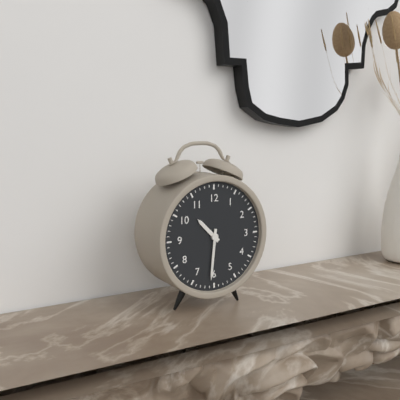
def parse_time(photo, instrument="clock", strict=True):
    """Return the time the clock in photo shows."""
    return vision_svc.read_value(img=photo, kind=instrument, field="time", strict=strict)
10:31
